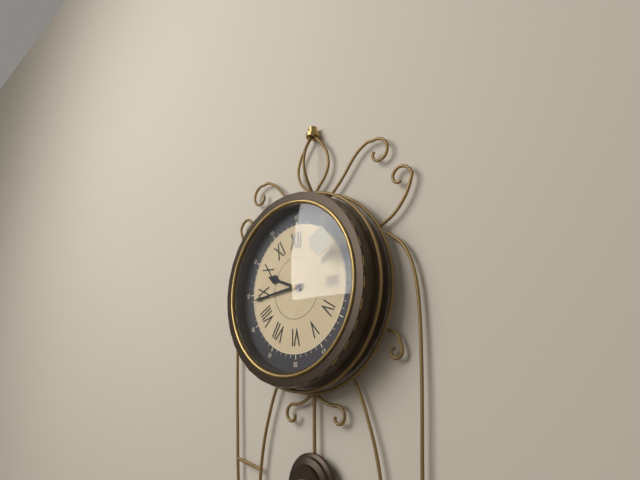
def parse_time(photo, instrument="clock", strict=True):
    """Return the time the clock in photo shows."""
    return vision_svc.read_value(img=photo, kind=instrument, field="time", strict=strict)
9:44
